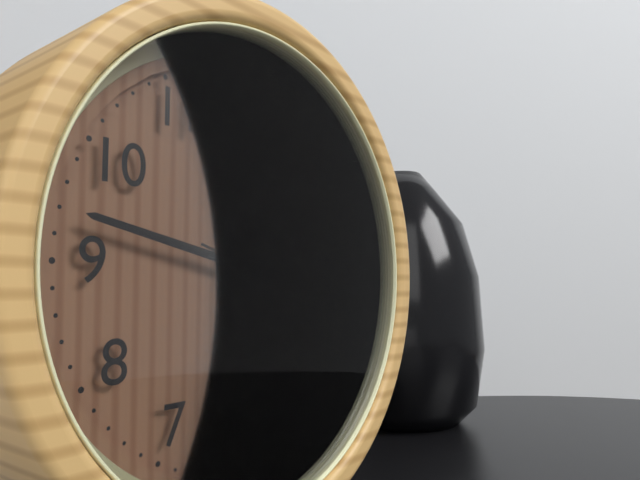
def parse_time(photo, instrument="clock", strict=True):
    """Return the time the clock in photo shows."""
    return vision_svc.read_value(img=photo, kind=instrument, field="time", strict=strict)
2:47:18
